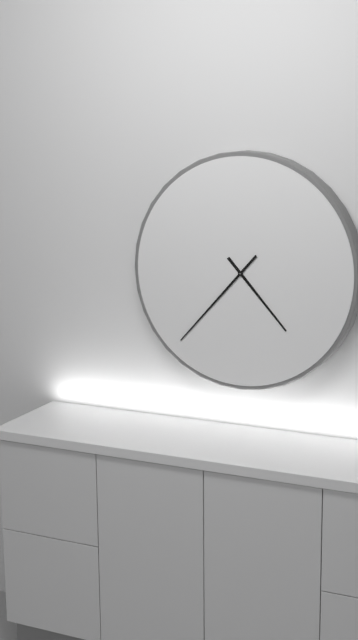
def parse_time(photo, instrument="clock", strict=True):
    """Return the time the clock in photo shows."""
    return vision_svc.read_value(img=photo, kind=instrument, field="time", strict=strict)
4:37
